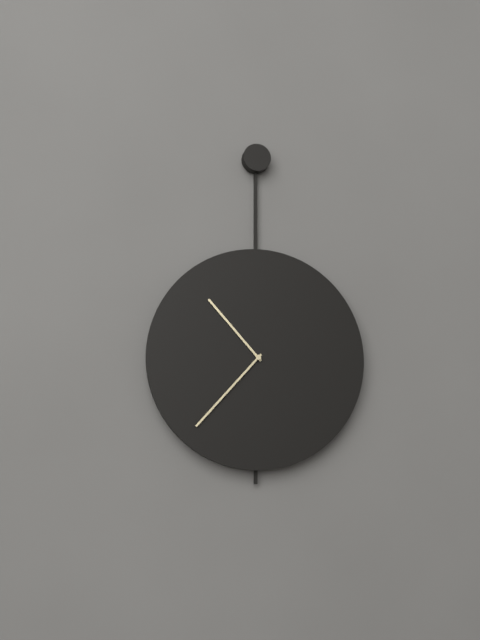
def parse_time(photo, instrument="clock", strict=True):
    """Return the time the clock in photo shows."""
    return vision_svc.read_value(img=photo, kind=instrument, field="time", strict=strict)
10:37
